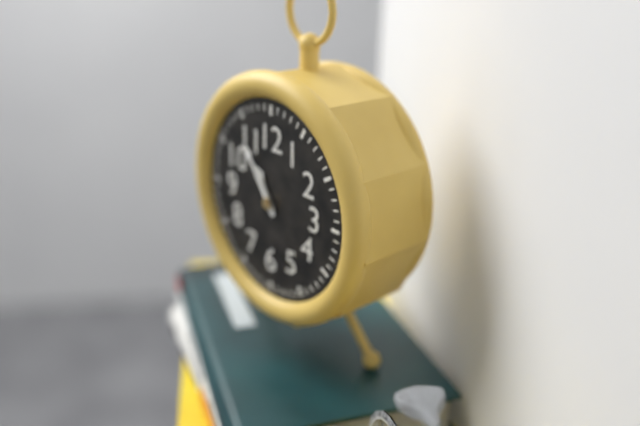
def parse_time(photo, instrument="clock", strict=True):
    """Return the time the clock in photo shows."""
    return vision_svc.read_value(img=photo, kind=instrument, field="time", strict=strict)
10:54
